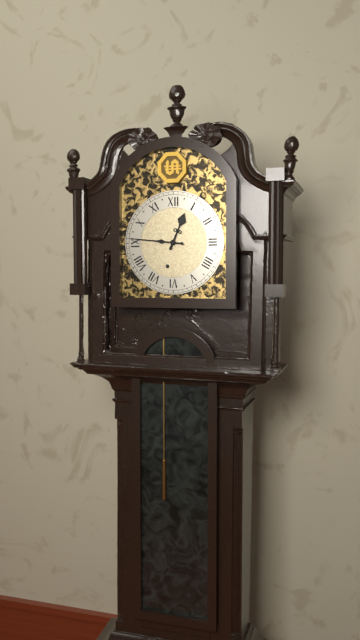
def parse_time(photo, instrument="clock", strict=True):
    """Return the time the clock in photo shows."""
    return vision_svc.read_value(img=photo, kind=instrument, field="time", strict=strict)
12:46
